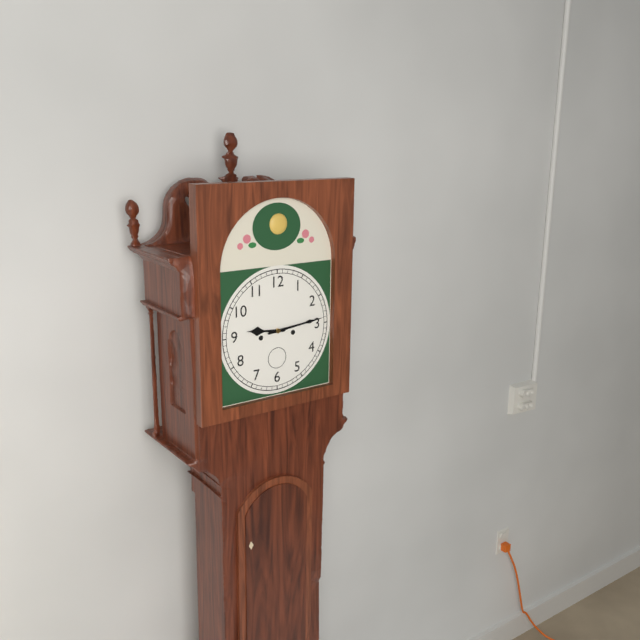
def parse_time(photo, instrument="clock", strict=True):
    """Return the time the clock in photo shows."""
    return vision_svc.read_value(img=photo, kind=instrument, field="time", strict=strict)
9:14
